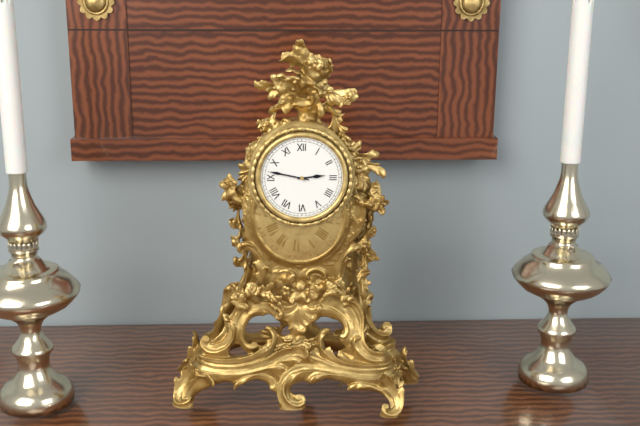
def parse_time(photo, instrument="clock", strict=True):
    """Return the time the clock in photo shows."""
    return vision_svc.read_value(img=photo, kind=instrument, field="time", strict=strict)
2:47
